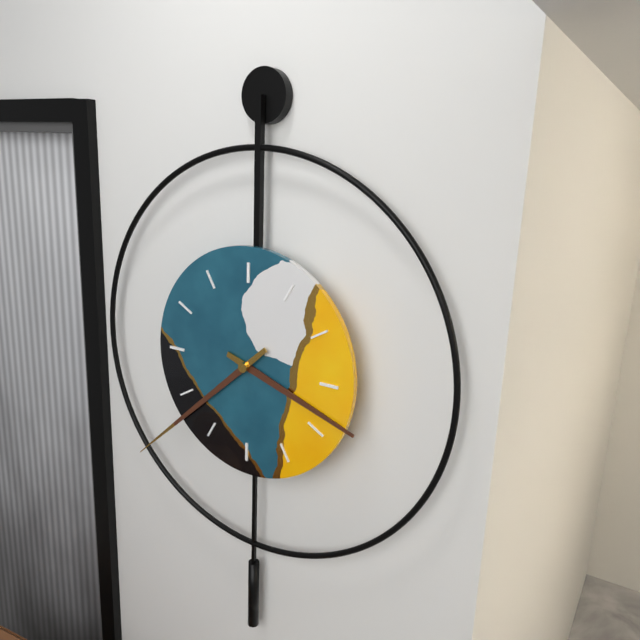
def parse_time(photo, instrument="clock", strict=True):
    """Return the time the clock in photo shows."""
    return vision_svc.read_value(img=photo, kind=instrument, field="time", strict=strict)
3:38
